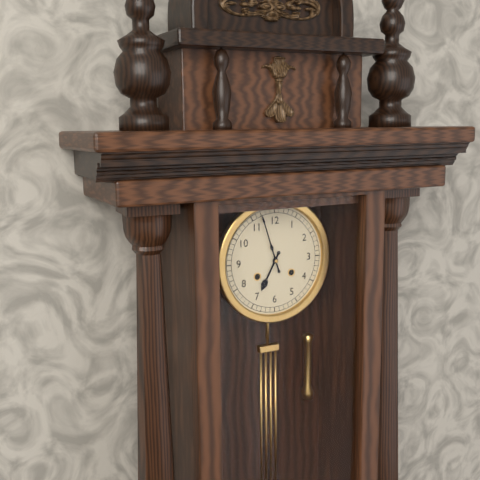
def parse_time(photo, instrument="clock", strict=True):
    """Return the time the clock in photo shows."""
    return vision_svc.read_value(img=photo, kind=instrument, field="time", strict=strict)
6:57
